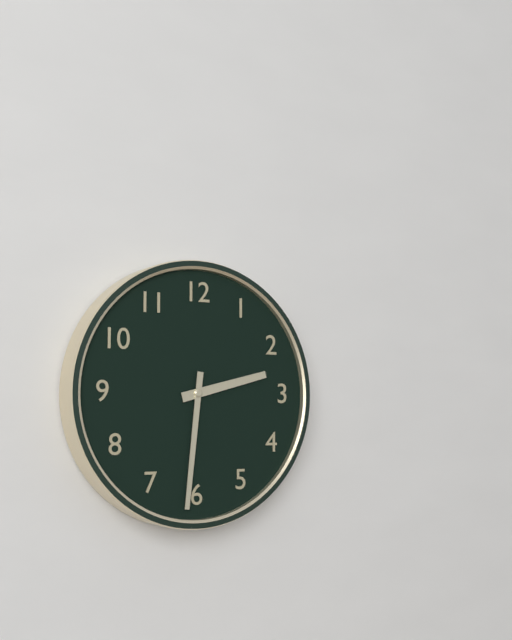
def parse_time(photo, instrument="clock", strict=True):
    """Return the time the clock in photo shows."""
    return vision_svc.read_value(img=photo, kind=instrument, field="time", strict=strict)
2:31
